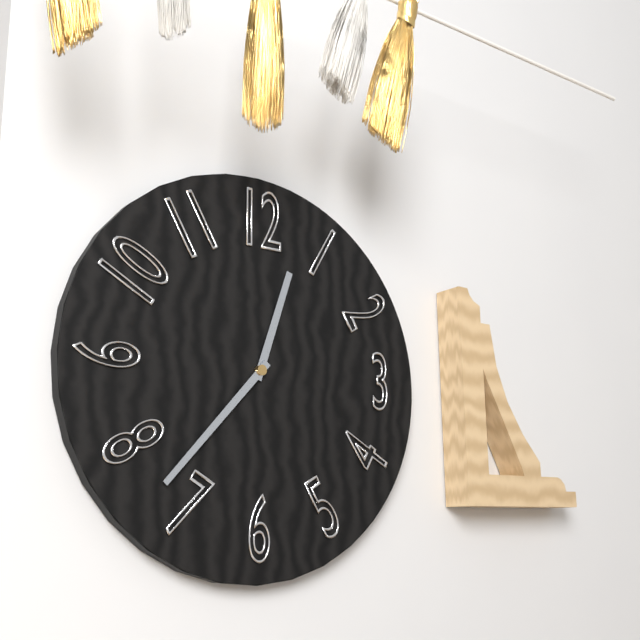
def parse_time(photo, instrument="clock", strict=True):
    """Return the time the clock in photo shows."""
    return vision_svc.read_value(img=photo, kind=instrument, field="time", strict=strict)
12:37
